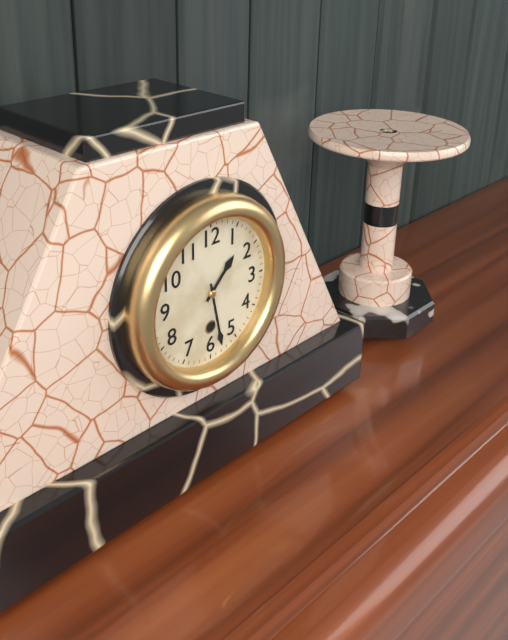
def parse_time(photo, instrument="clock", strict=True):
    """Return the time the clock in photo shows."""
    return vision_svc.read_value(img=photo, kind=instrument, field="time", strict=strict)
1:28
